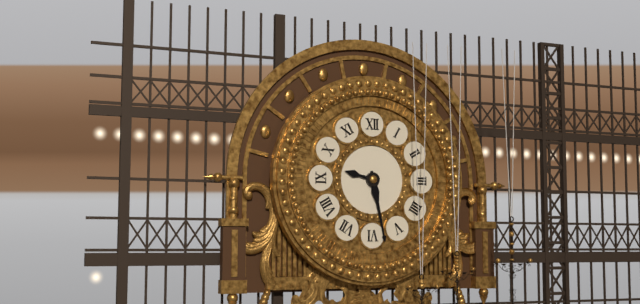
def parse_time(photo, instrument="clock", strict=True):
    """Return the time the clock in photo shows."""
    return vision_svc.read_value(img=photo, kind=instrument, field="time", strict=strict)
9:28
